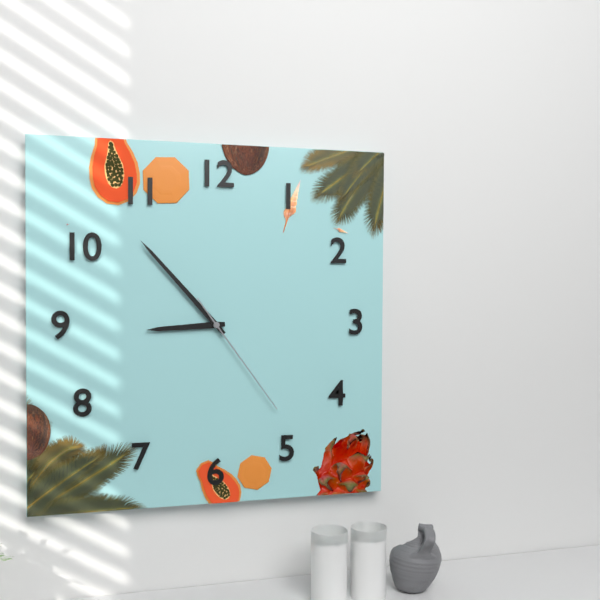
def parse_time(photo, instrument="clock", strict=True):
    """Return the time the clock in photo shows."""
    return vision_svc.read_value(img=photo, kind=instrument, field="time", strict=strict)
8:53:24
